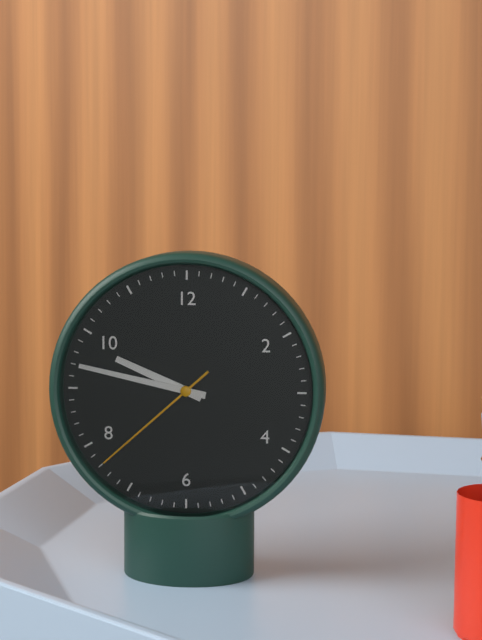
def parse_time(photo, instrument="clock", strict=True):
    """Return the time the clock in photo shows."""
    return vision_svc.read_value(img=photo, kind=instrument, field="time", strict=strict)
9:47:38
